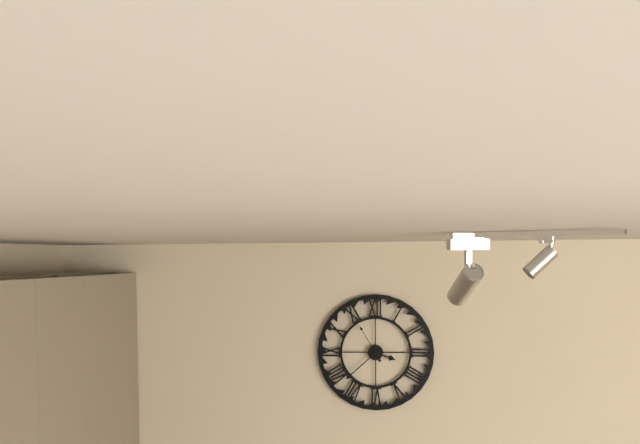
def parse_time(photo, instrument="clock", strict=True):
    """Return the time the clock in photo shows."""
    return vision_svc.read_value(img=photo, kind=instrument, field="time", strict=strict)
3:38
